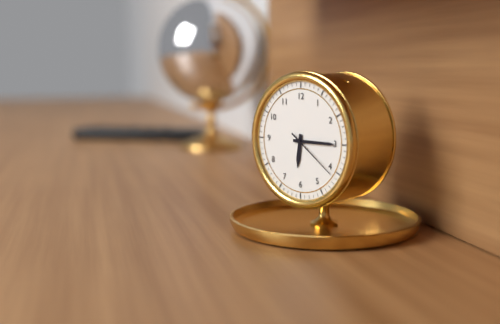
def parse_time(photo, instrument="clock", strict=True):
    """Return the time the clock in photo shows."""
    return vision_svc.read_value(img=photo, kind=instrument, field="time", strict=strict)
6:15:21
